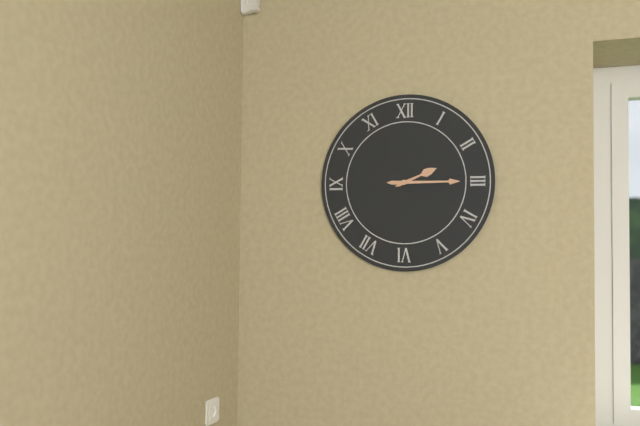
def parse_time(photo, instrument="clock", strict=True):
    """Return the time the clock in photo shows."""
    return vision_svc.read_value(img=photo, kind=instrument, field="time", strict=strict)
2:15
